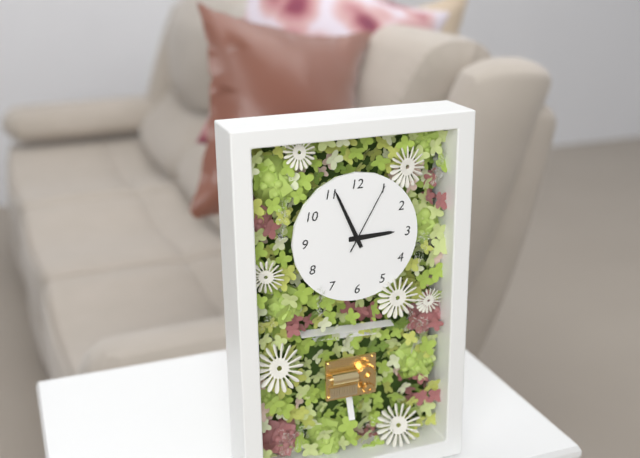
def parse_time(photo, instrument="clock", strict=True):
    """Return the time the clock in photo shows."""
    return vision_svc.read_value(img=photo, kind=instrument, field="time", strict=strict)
2:56:05
